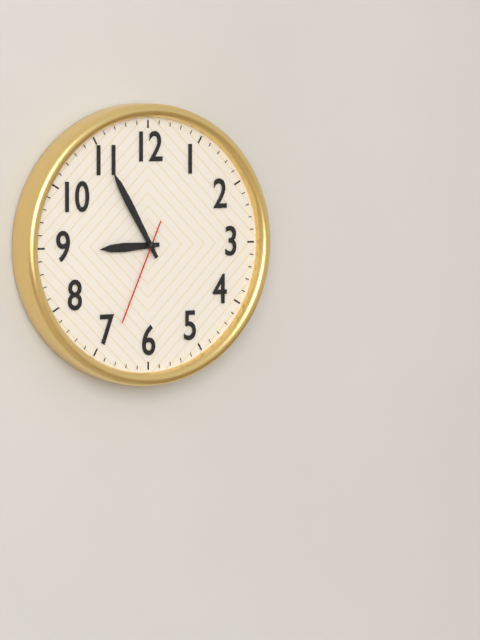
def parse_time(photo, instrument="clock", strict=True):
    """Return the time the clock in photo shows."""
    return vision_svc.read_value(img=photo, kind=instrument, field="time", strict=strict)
8:55:34
